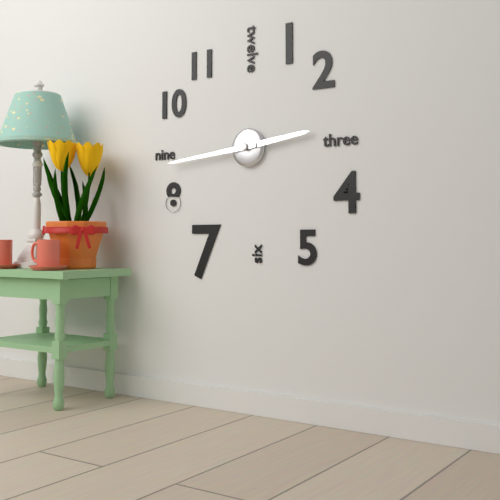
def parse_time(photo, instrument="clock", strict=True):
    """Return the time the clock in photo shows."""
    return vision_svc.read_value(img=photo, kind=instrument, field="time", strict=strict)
2:44
